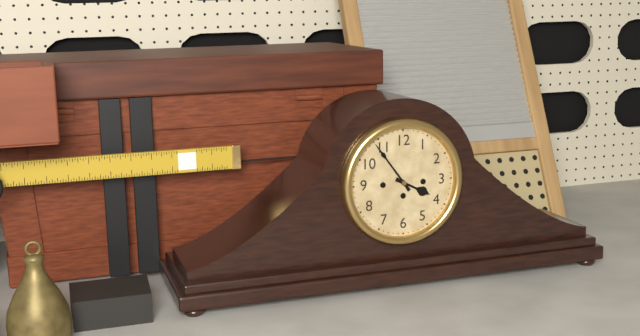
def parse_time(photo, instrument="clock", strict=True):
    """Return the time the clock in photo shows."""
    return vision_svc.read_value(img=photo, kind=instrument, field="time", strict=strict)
3:54
